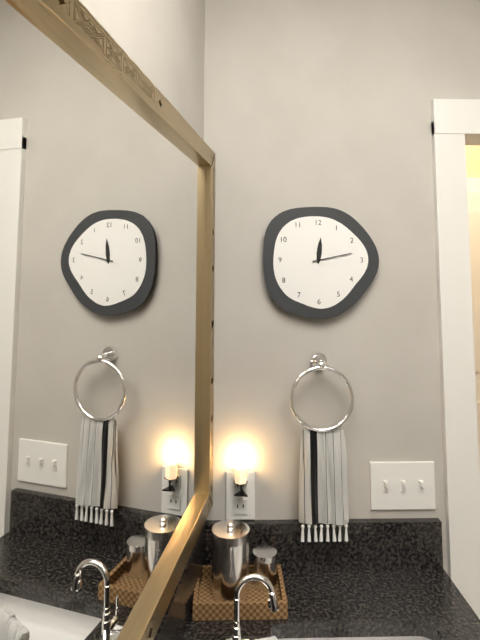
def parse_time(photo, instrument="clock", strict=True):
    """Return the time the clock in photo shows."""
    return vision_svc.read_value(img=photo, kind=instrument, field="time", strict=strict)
12:13
